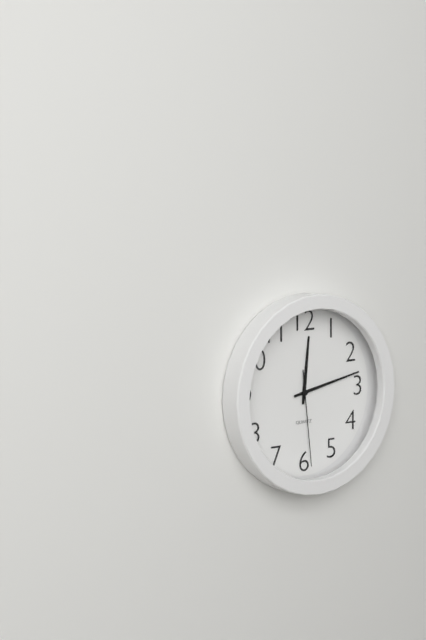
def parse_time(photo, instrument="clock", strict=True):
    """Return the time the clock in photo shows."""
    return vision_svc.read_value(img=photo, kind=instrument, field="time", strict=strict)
12:13:29
